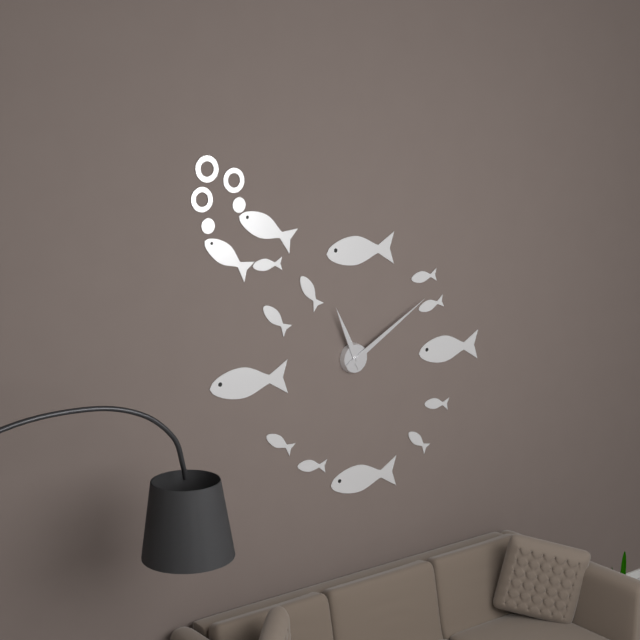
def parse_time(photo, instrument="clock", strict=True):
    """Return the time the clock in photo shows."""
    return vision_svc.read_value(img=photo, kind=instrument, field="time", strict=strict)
11:10
